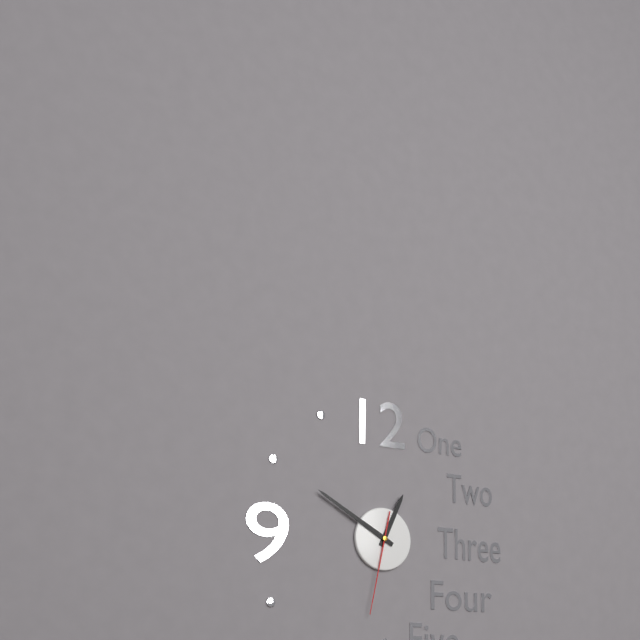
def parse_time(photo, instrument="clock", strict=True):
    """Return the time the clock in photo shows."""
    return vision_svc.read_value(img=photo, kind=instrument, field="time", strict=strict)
12:50:32
